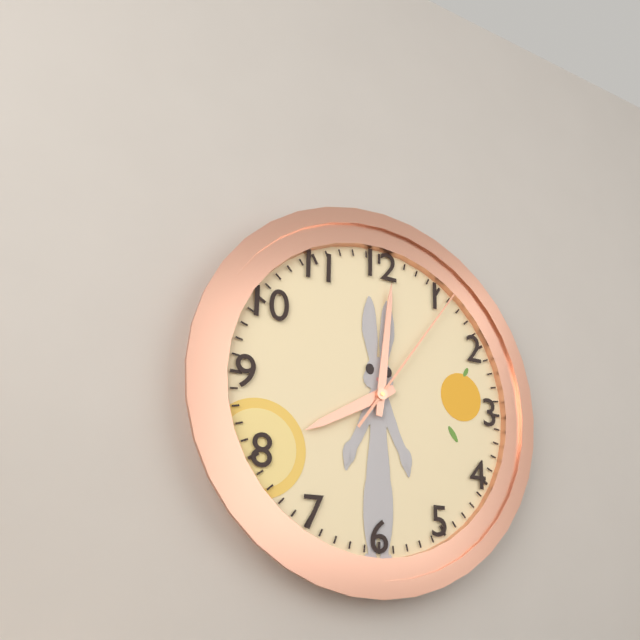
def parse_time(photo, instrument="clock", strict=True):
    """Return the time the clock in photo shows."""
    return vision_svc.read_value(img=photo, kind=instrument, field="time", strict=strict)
8:01:06
